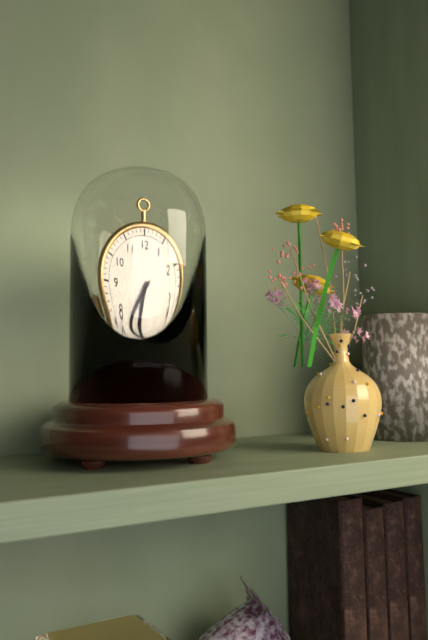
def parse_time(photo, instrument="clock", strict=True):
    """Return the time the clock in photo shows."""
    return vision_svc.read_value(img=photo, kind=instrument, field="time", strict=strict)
6:37
